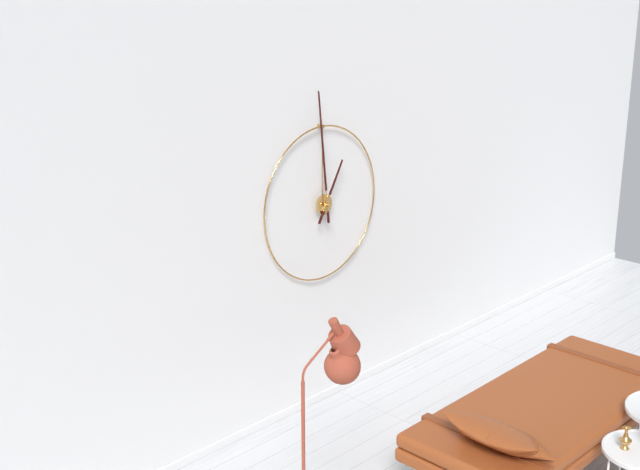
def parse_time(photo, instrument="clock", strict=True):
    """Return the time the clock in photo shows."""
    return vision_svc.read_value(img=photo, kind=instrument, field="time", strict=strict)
12:59
